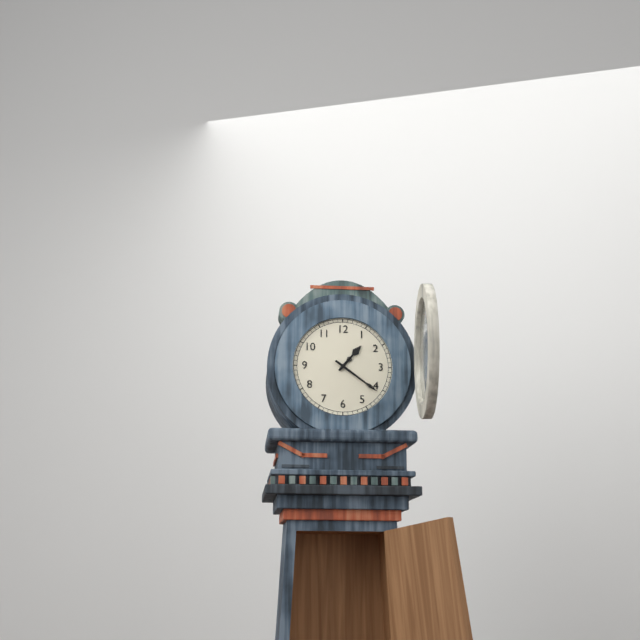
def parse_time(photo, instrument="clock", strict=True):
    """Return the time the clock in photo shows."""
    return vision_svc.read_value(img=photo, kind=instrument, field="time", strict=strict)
1:21
